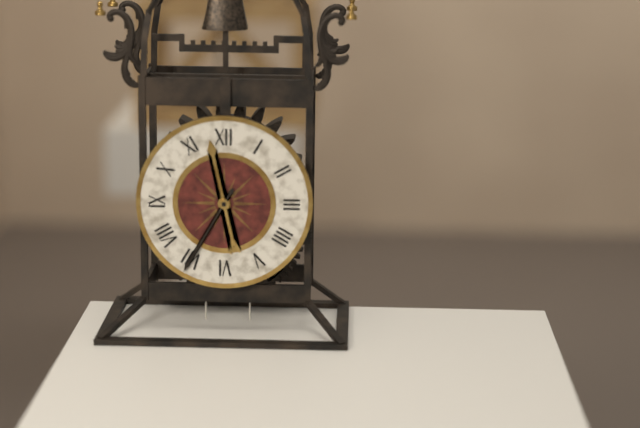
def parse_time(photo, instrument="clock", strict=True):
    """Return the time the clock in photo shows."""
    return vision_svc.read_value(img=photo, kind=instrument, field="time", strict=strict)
11:35
